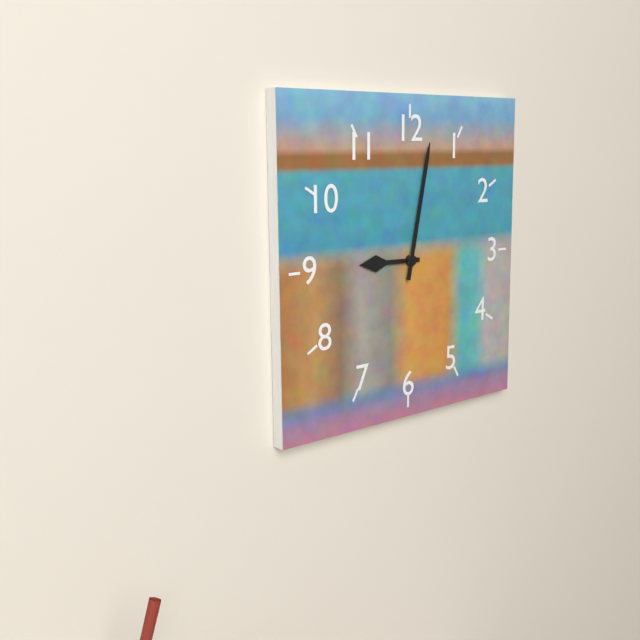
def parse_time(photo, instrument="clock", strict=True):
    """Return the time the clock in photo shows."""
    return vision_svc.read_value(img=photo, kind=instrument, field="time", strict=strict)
9:02
